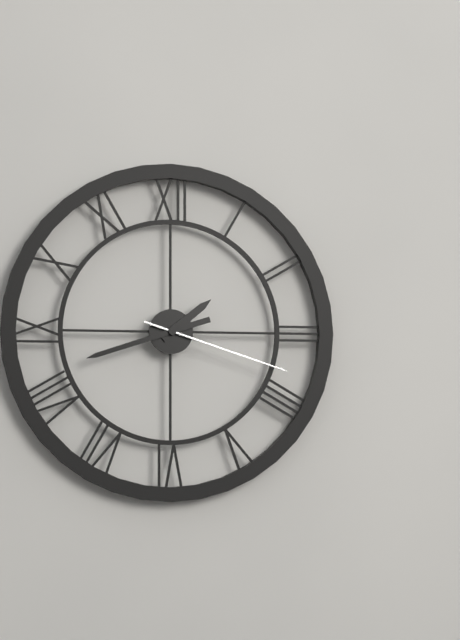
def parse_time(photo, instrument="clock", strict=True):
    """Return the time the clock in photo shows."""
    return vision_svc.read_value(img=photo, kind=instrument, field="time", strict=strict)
1:42:18
